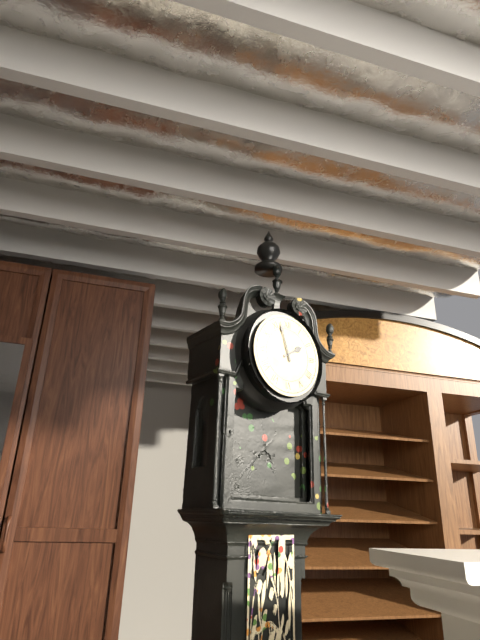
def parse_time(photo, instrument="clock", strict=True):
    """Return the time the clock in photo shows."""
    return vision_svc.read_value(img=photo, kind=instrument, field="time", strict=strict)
1:57
